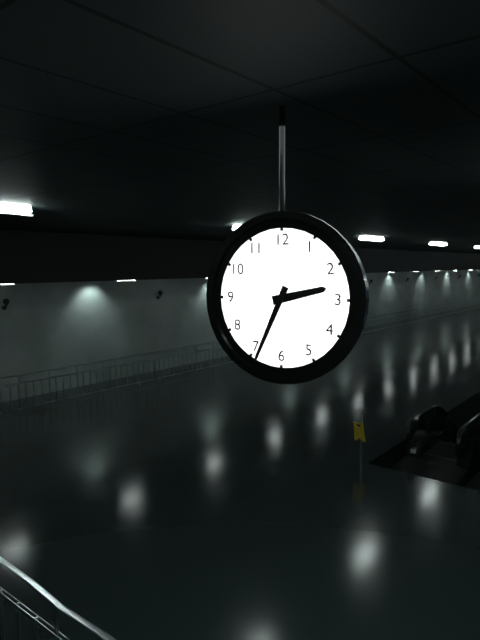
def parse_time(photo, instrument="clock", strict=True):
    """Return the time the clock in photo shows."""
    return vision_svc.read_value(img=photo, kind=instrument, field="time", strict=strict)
2:34
